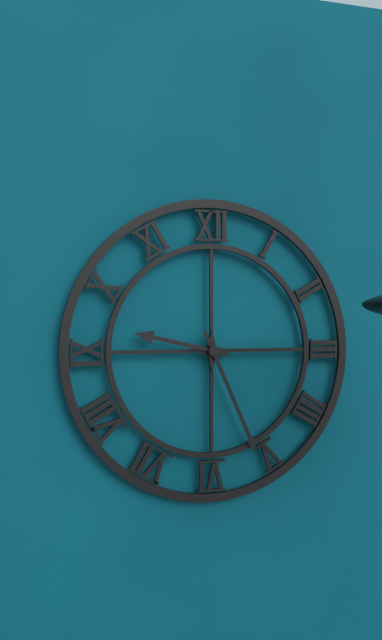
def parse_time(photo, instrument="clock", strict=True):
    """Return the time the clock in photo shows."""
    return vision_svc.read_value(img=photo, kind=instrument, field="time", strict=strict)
9:26
